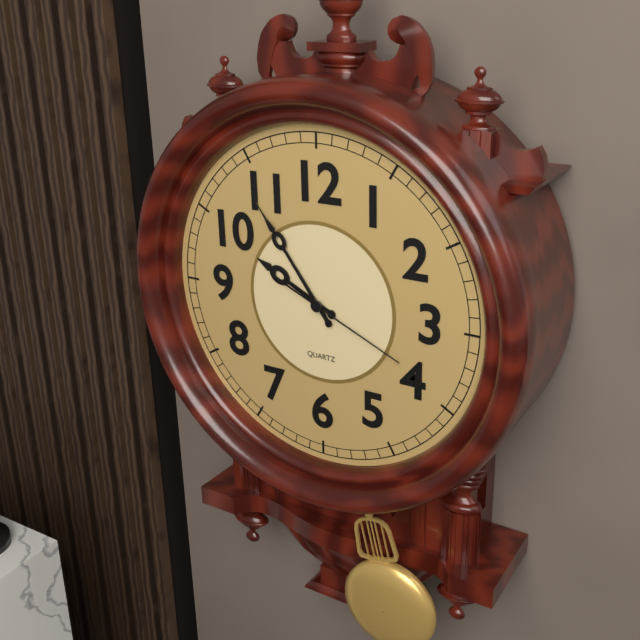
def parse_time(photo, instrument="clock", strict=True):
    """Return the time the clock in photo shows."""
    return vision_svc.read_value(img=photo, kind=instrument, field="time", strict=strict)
9:54:19
